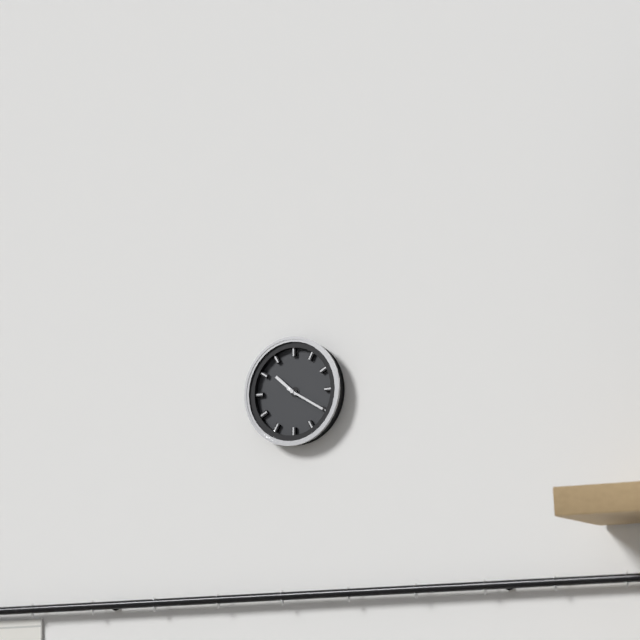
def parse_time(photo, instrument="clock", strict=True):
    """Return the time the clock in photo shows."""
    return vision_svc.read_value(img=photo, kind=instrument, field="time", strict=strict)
10:20
